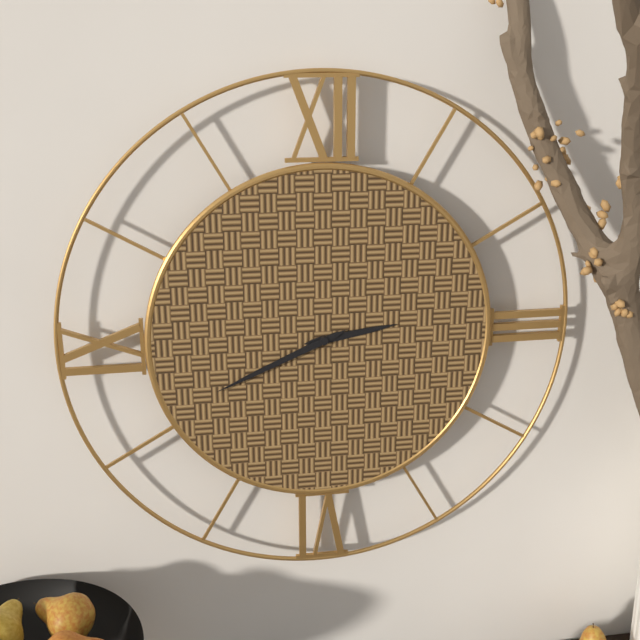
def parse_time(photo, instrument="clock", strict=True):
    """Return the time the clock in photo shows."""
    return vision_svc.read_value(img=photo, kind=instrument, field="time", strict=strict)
2:41
